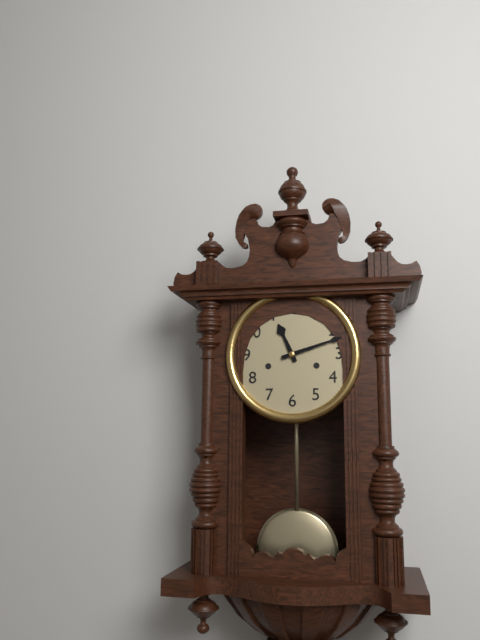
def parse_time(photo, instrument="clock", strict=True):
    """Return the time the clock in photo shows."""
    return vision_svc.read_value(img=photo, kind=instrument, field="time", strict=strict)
11:12
